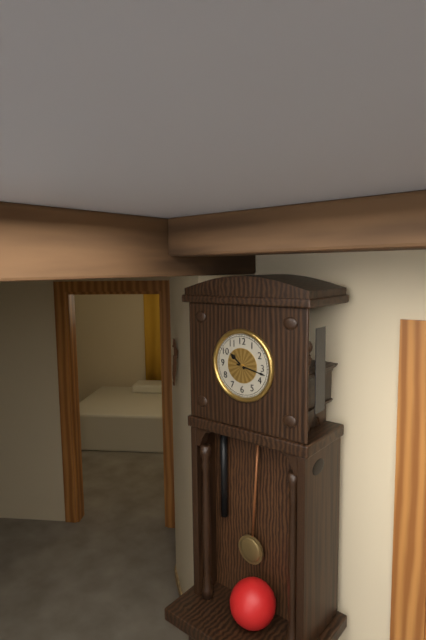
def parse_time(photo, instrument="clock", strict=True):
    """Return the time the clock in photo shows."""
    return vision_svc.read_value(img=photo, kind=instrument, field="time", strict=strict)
10:17
